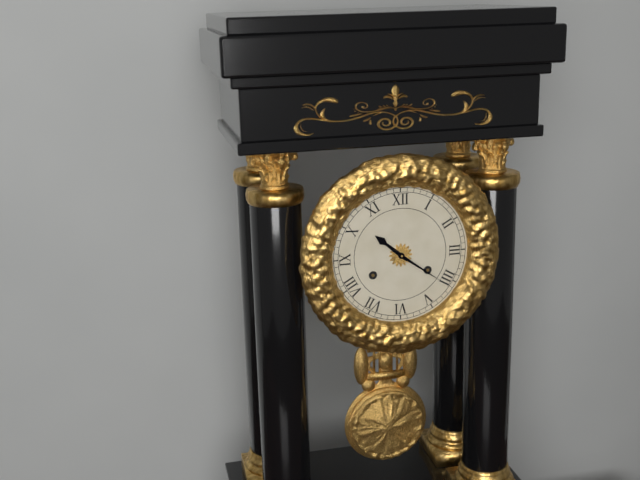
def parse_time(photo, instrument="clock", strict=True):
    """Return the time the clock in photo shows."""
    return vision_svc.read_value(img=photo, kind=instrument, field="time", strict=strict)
10:21
